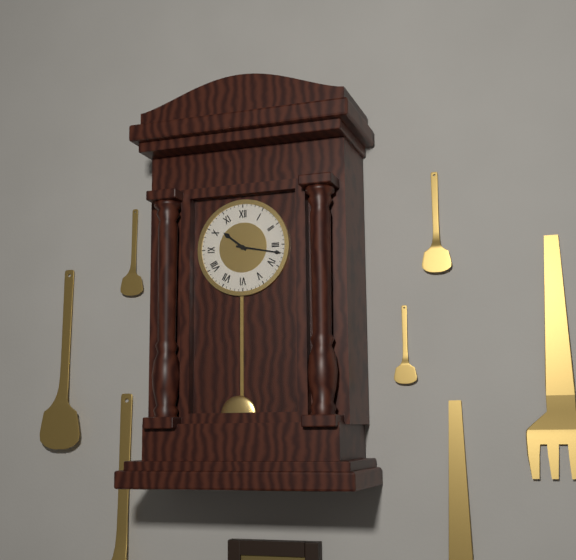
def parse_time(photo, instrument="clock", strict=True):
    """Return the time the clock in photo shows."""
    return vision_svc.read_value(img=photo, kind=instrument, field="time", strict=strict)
10:17
